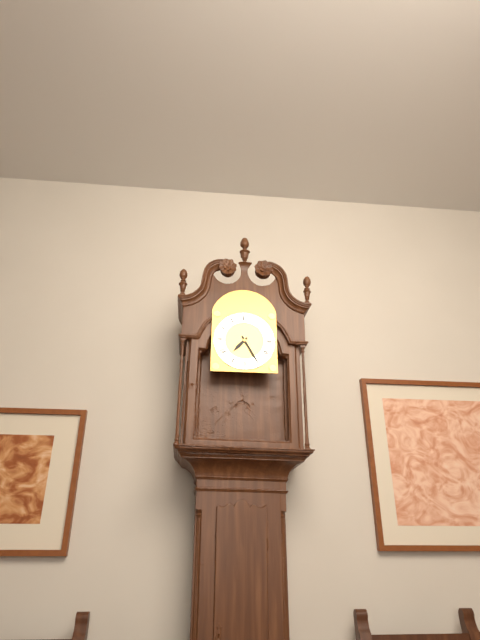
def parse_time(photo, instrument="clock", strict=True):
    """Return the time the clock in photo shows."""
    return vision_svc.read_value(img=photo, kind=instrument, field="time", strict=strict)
7:25
